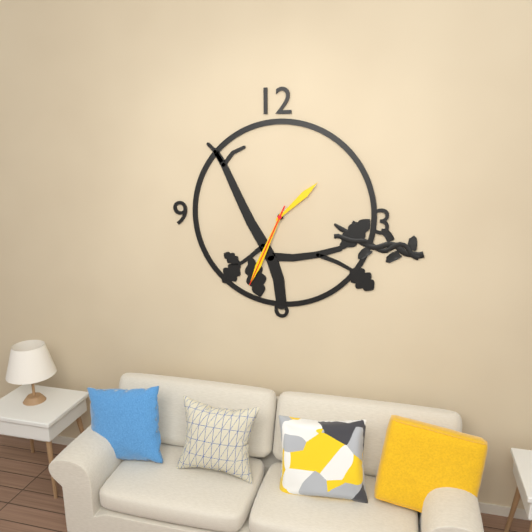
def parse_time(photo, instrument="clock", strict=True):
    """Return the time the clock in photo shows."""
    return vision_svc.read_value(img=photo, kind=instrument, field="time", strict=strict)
1:34:34
